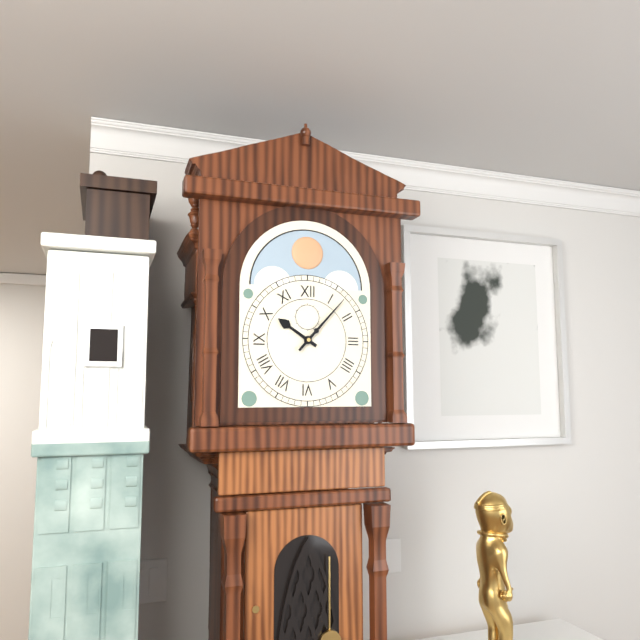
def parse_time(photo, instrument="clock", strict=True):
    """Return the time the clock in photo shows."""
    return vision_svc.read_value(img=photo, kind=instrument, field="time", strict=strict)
10:07
